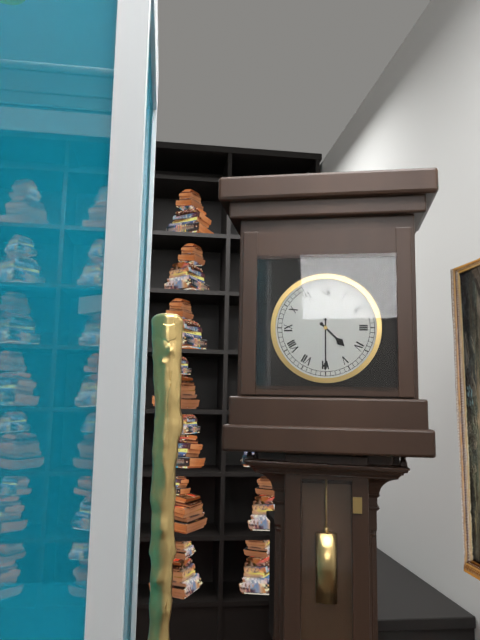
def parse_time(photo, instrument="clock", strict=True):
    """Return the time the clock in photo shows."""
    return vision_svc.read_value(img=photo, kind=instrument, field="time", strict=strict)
4:30
